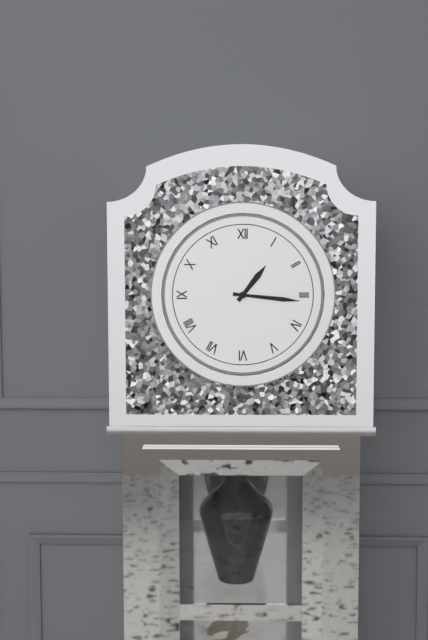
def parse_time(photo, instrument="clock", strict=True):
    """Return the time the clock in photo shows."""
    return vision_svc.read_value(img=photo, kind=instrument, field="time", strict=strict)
1:16
